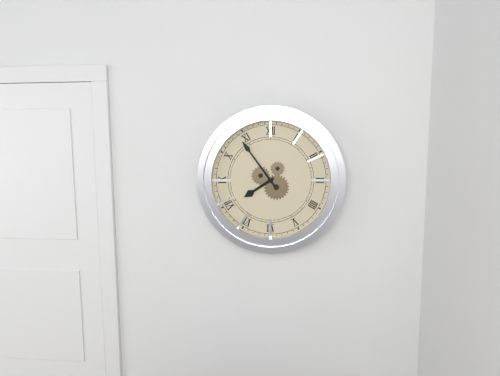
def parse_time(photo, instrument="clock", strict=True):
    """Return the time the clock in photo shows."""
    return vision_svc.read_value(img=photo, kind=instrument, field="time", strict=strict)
7:54
